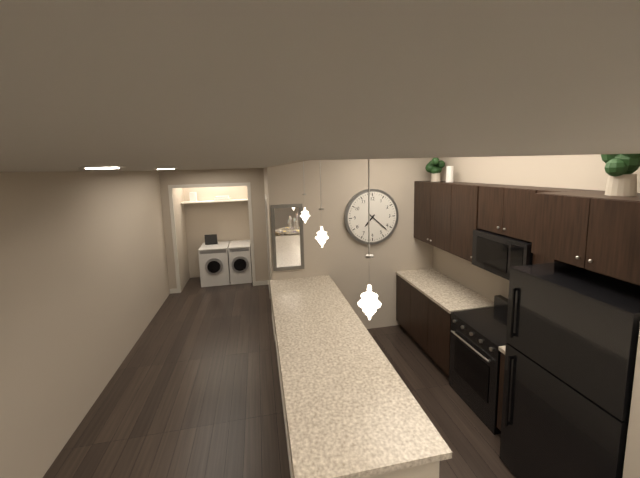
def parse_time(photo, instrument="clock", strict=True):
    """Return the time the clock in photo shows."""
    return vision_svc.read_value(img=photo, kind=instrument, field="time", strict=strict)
7:22
